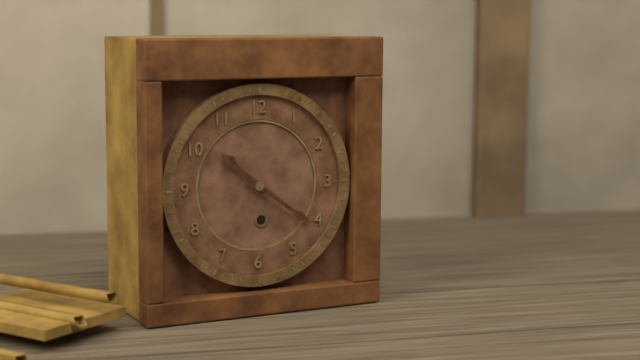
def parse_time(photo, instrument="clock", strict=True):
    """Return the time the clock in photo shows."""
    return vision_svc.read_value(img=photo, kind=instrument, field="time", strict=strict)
10:21
